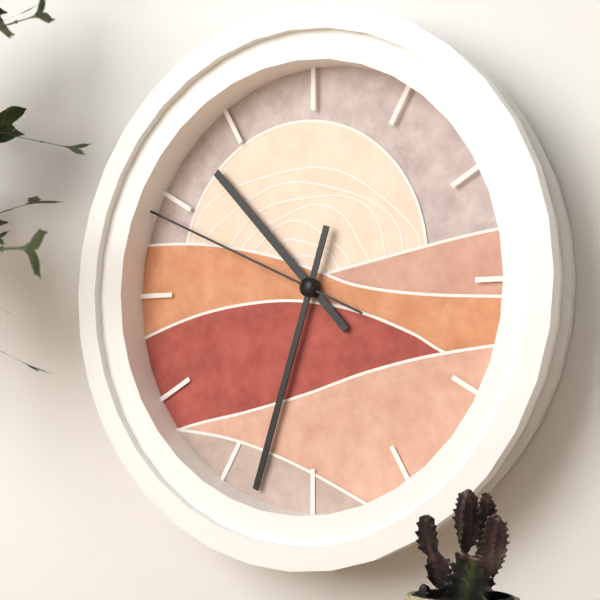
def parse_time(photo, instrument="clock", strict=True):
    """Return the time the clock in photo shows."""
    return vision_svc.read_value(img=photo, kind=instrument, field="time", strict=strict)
10:33:49
